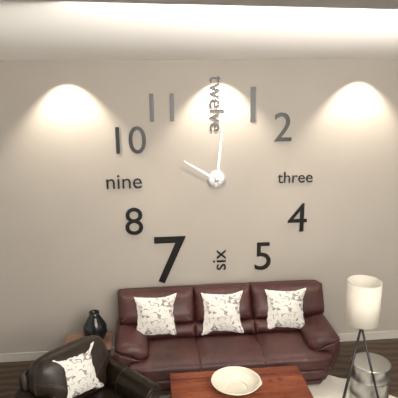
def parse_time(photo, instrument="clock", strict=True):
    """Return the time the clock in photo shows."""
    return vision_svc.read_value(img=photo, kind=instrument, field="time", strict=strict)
10:01
